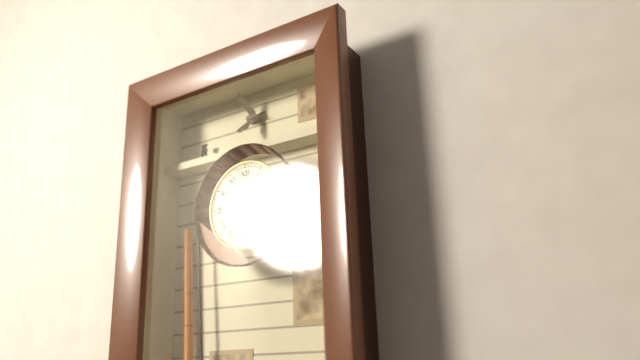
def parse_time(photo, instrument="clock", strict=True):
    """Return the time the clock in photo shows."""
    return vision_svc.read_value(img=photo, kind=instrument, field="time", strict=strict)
8:34
